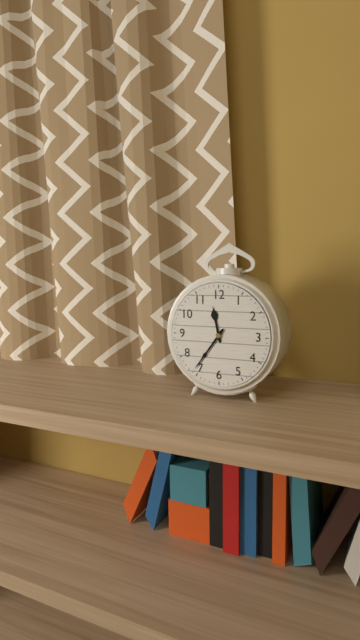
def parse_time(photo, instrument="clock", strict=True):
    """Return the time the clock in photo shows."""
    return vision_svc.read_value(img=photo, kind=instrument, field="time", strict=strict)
11:36
